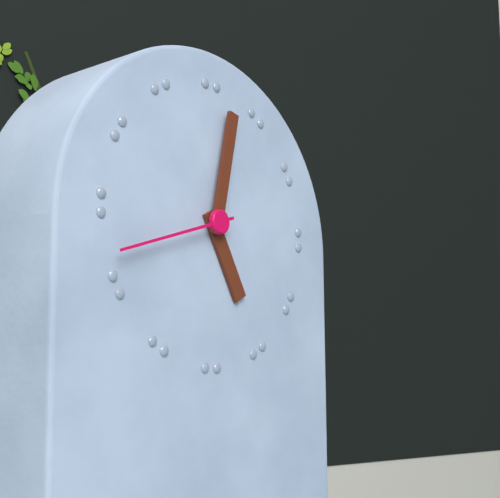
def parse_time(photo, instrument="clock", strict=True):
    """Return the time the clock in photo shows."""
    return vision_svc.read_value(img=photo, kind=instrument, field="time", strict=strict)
5:02:42
